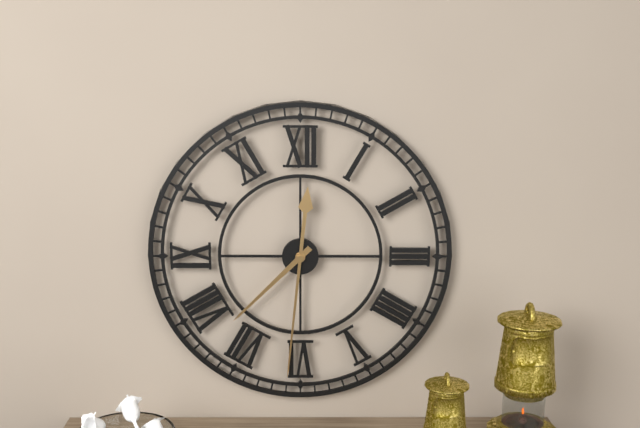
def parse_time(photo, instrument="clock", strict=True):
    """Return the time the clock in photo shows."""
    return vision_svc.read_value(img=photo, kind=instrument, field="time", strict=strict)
7:31
